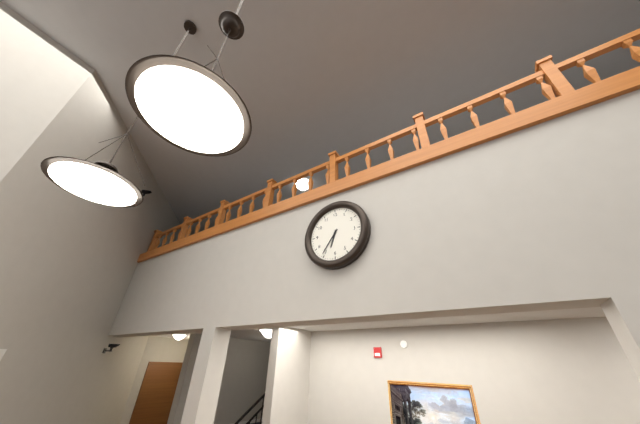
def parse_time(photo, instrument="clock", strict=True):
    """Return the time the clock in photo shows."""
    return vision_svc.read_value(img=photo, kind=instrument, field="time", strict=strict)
6:36
